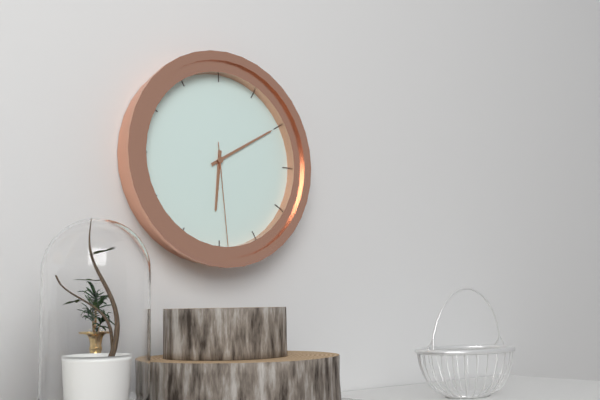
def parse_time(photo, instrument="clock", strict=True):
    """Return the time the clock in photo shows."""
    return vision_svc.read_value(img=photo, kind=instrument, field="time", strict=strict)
6:10:29
